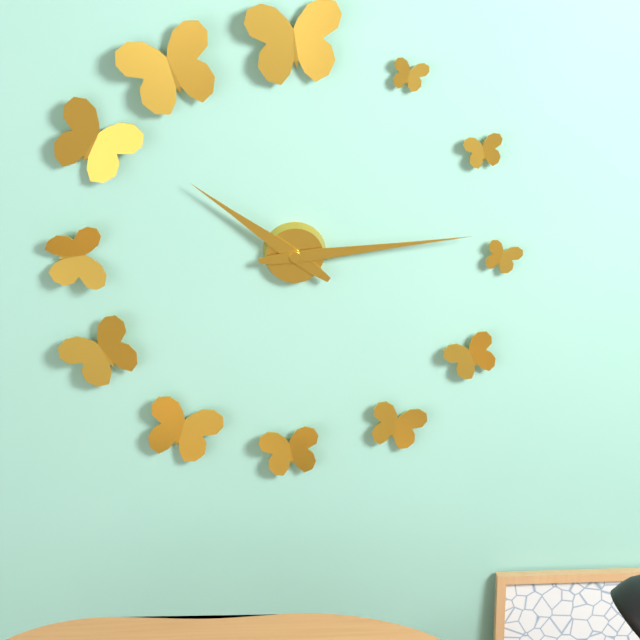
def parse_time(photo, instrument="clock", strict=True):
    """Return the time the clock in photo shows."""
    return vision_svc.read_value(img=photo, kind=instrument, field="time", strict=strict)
10:14
